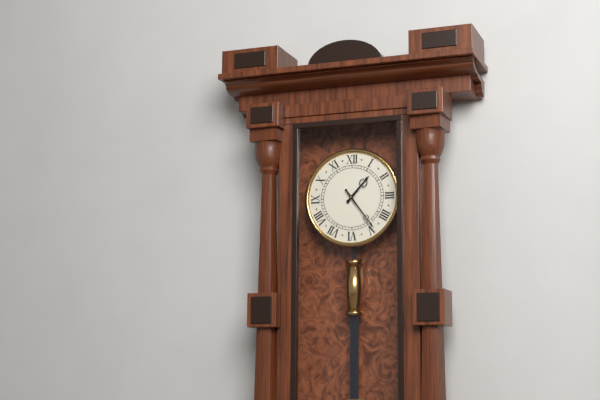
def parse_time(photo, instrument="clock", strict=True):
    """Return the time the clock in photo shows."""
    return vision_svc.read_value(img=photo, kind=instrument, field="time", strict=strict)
1:24
